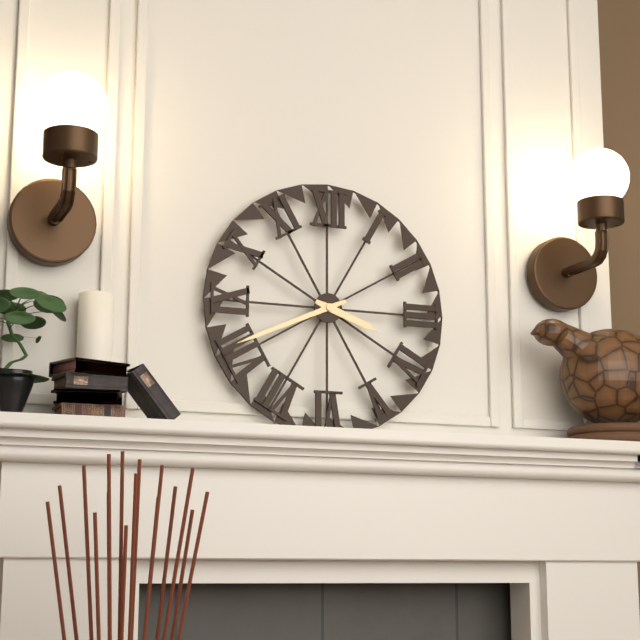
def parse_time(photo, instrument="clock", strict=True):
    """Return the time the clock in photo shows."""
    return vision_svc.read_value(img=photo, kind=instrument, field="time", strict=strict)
3:41
